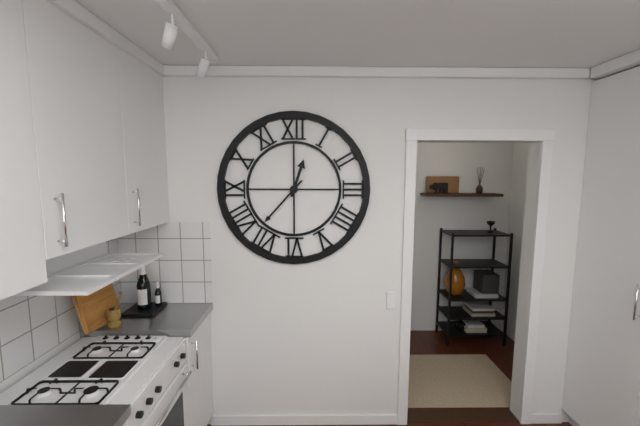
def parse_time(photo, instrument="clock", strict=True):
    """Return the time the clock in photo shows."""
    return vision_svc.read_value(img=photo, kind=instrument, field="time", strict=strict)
12:37
